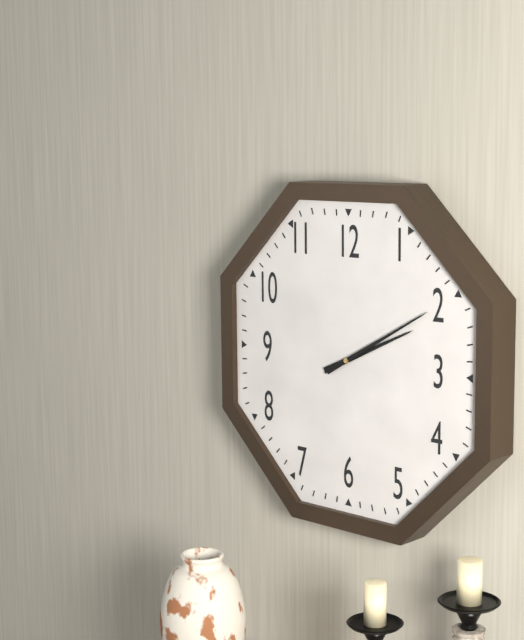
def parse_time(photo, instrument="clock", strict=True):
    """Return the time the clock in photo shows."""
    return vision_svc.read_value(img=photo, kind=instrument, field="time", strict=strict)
2:10
